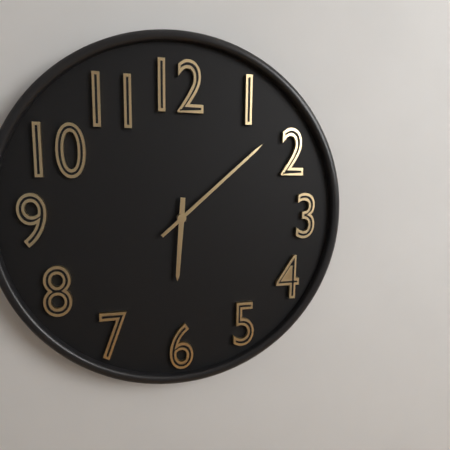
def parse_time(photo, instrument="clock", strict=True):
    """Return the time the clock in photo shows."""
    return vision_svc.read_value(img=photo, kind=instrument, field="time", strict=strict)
6:08
